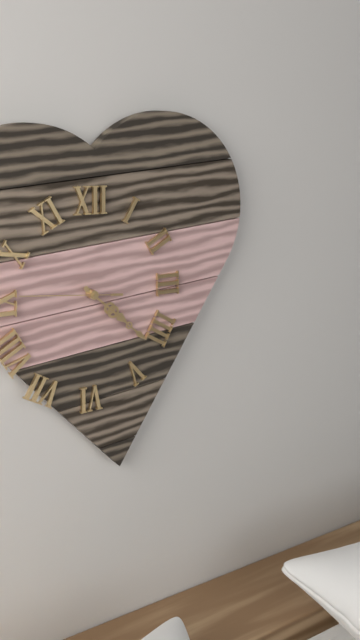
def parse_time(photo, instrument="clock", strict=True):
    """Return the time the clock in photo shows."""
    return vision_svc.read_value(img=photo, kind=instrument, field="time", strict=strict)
4:22:46
